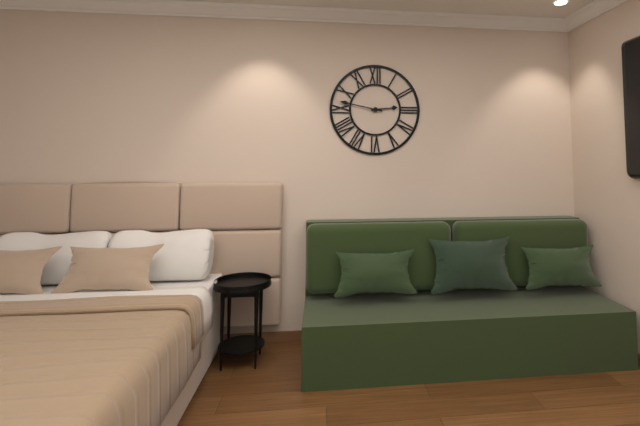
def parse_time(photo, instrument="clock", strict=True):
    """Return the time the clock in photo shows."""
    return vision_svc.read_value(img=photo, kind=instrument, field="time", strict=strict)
2:47
